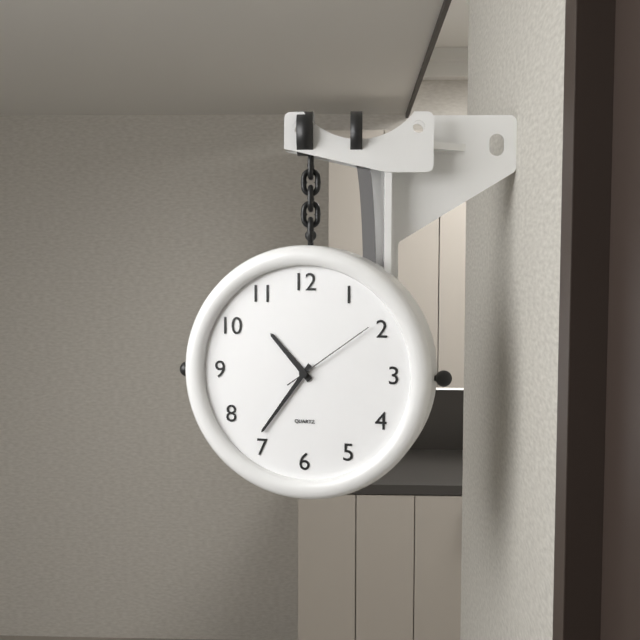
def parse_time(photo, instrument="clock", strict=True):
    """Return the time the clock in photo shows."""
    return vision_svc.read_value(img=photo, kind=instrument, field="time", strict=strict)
10:36:09
